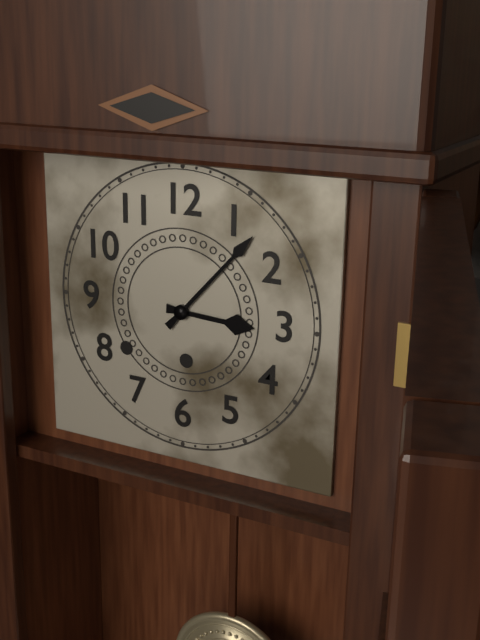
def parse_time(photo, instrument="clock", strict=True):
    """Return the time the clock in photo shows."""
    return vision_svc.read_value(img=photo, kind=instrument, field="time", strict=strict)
3:07
